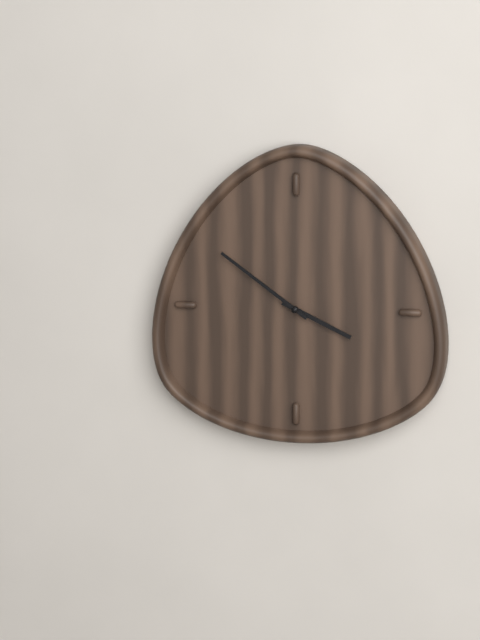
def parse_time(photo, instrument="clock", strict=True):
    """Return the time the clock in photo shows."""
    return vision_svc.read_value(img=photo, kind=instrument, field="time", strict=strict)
3:51
